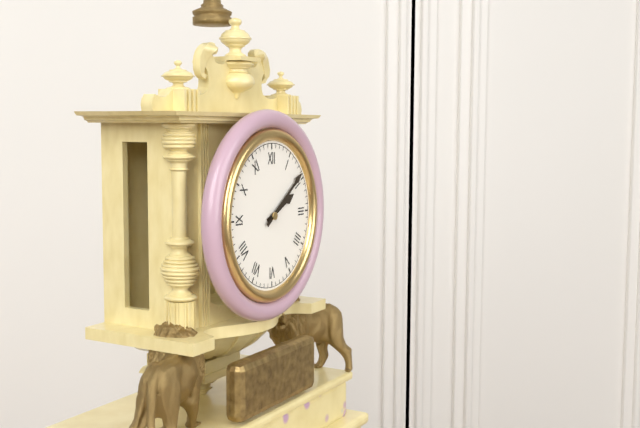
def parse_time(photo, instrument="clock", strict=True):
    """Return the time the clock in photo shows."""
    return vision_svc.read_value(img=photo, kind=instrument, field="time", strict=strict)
2:09
